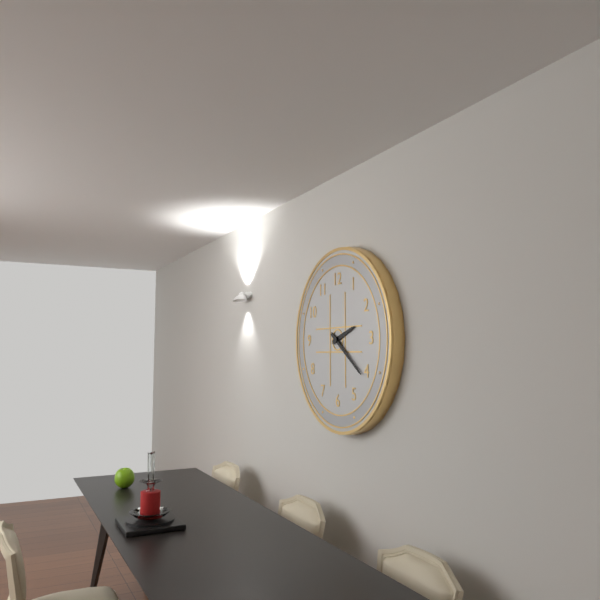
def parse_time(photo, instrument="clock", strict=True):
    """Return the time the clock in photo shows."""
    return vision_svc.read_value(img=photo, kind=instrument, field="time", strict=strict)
2:21
